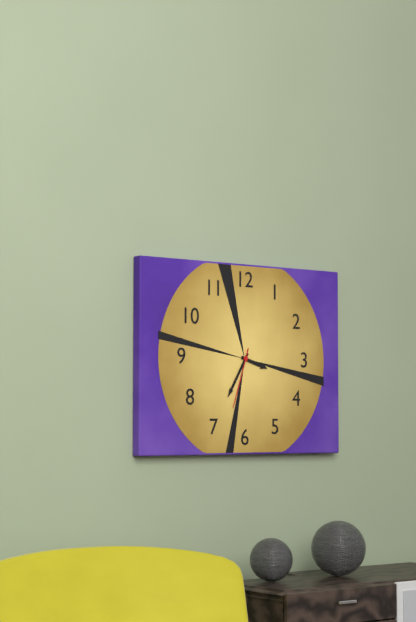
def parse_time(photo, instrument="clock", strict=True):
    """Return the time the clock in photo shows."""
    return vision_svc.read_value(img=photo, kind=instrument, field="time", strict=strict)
3:35:33
